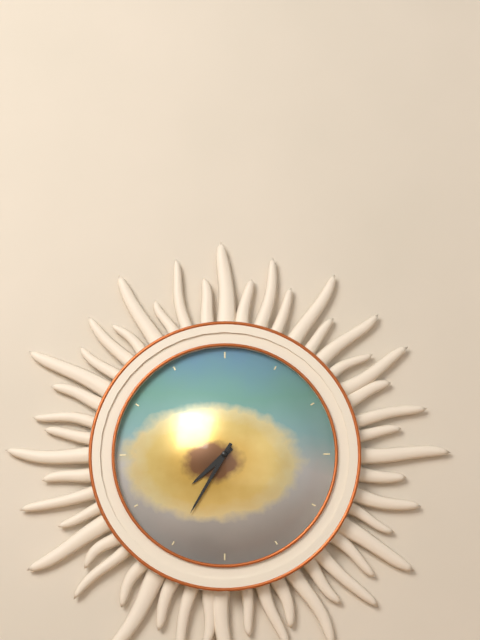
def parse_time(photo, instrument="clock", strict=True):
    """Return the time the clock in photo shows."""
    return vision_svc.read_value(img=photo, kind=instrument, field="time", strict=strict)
7:35
